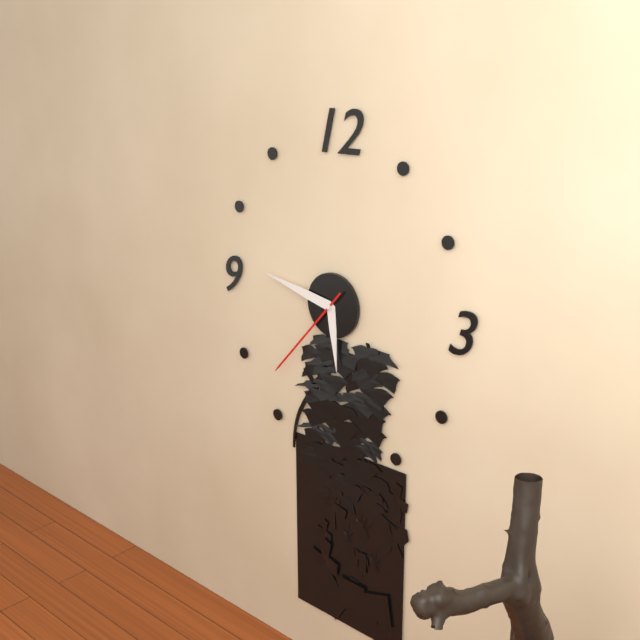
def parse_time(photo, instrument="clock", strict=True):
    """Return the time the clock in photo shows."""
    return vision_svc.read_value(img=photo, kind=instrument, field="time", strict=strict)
5:47:37
